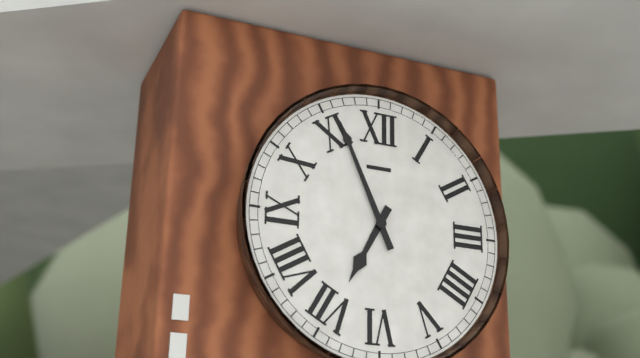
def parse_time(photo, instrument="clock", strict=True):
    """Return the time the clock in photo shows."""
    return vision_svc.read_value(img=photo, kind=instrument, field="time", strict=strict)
6:56
